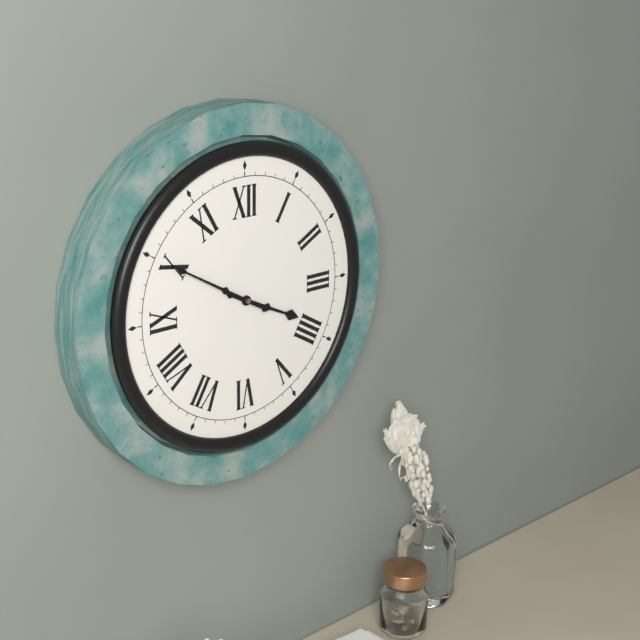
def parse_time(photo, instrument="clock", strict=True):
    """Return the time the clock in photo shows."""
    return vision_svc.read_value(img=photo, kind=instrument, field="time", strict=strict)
3:50
